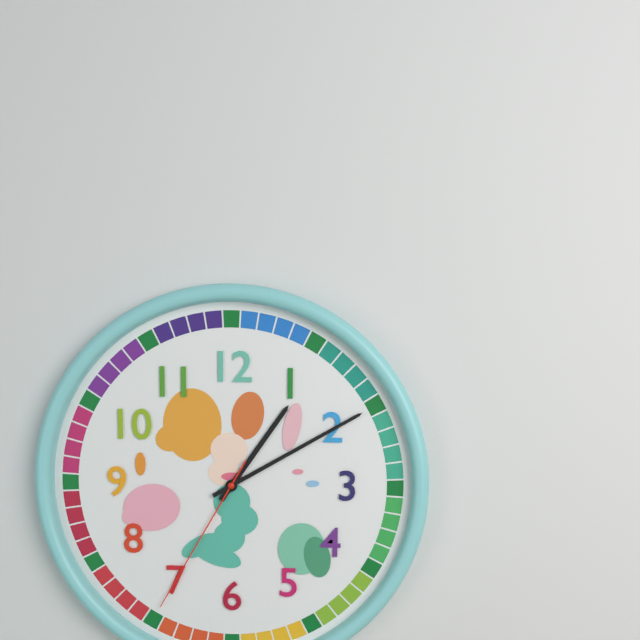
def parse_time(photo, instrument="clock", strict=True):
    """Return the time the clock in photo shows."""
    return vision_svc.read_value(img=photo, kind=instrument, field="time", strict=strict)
1:10:35
